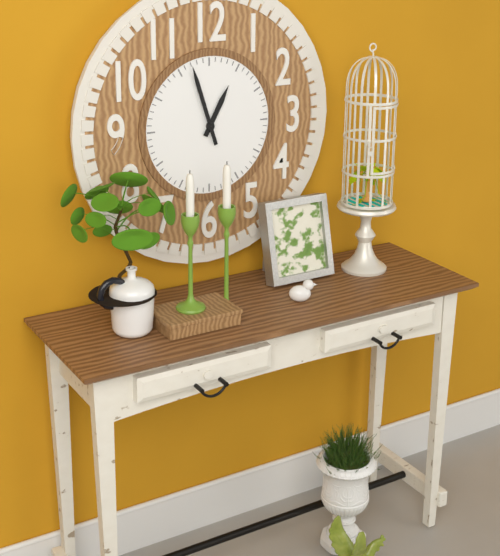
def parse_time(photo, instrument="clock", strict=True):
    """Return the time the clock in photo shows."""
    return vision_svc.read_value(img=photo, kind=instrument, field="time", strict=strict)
12:57
